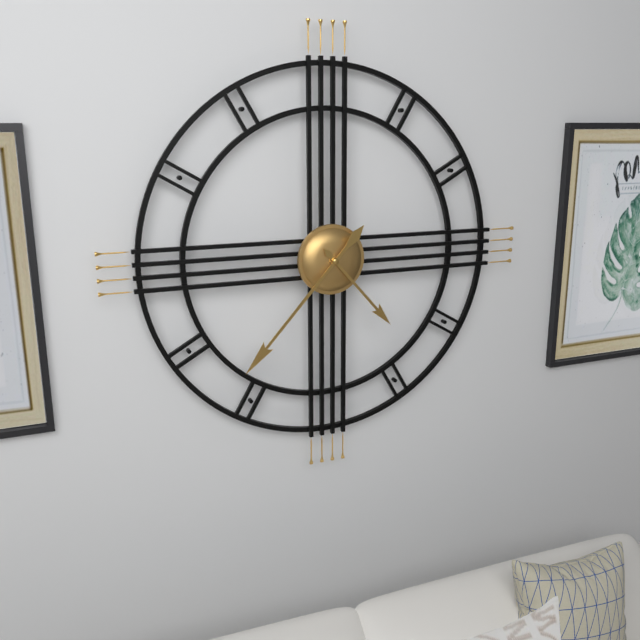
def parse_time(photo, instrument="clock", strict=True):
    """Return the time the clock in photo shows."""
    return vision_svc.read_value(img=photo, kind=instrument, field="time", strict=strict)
4:37
